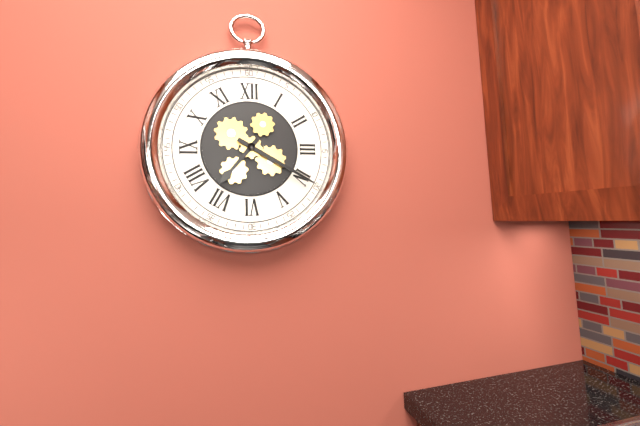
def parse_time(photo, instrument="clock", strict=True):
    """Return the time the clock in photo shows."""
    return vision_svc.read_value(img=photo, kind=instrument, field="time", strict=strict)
7:20
